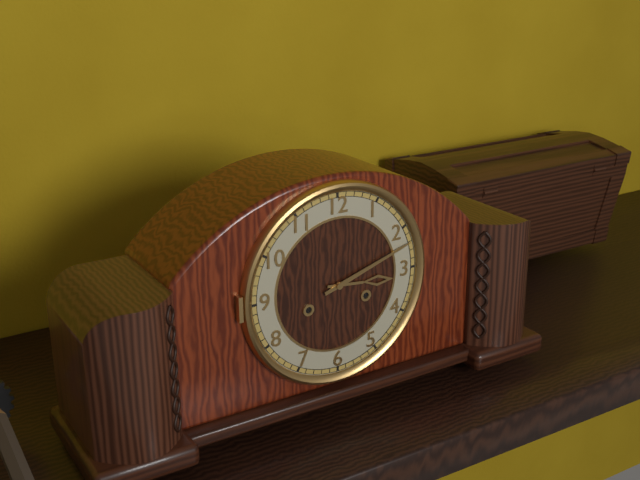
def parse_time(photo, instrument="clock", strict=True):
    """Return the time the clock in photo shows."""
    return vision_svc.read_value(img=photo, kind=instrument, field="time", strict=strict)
3:12
